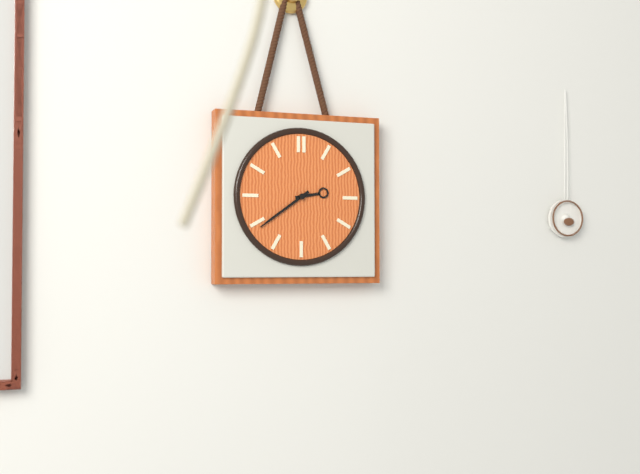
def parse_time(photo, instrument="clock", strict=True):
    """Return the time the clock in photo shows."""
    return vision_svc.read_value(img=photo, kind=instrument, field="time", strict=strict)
2:39
